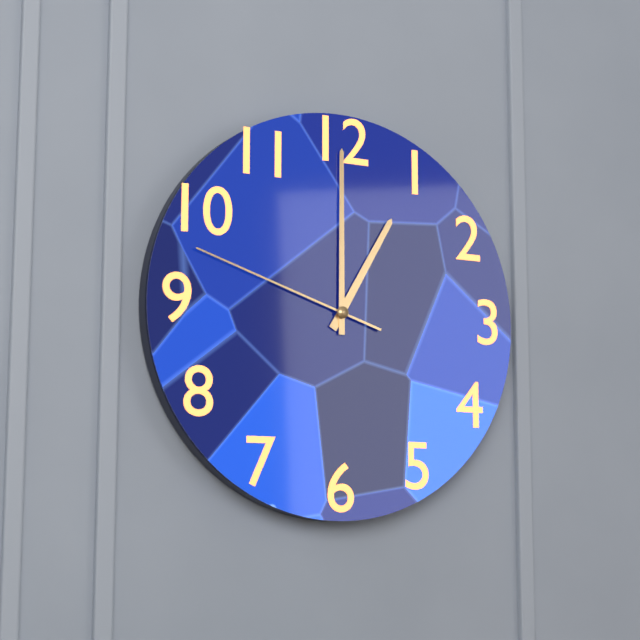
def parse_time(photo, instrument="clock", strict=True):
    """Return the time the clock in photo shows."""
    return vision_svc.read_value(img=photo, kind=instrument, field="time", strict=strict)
1:00:48
